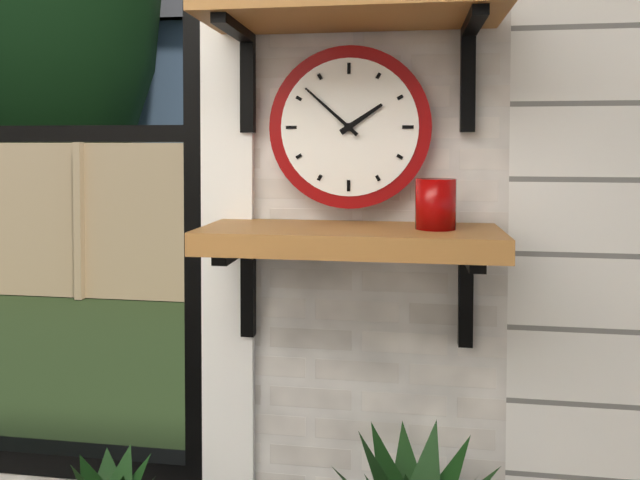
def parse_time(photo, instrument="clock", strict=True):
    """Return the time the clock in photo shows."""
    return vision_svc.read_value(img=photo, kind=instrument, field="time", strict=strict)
1:52
